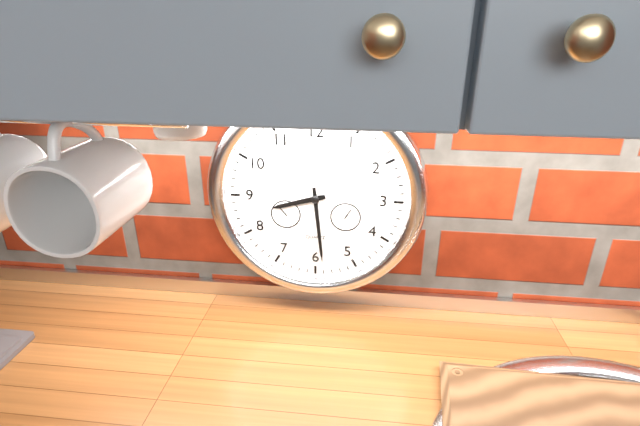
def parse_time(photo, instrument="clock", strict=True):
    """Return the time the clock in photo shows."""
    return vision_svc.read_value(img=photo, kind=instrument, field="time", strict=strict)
8:29
